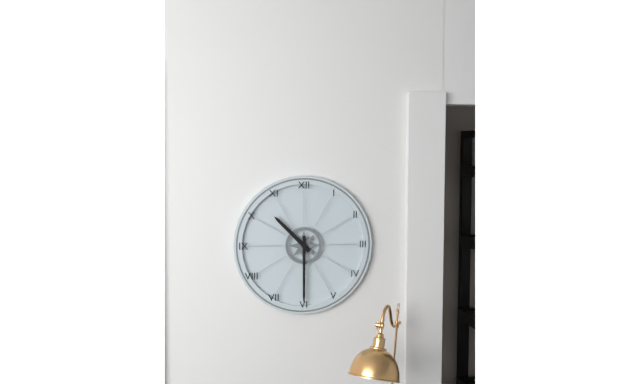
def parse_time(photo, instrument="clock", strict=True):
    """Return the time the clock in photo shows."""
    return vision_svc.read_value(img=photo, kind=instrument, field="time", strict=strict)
10:30
